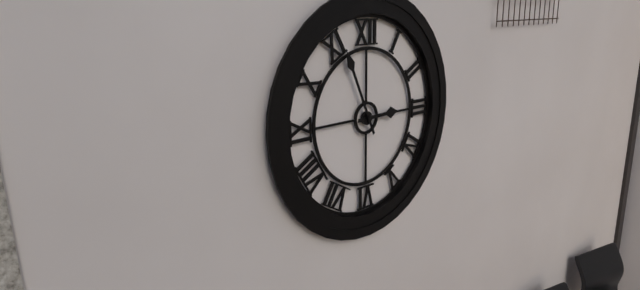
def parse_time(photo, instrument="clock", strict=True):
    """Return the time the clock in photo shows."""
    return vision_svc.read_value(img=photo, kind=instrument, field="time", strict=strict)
2:56
